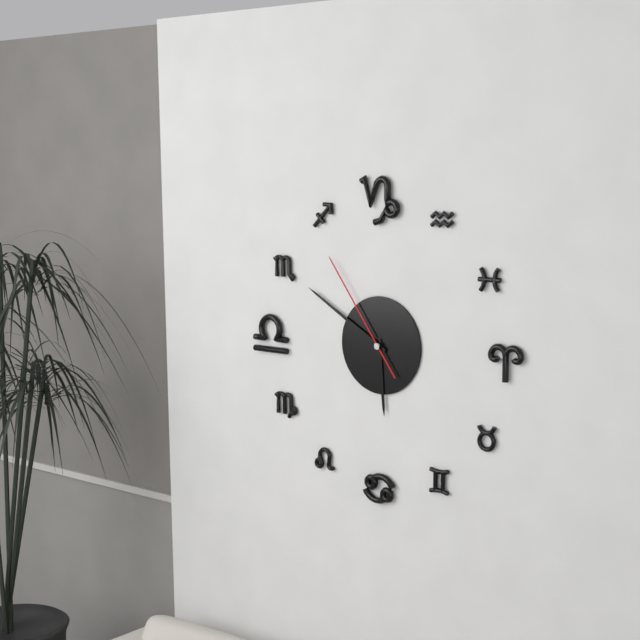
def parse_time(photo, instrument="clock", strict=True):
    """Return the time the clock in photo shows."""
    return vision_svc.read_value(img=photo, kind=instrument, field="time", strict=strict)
5:50:54
